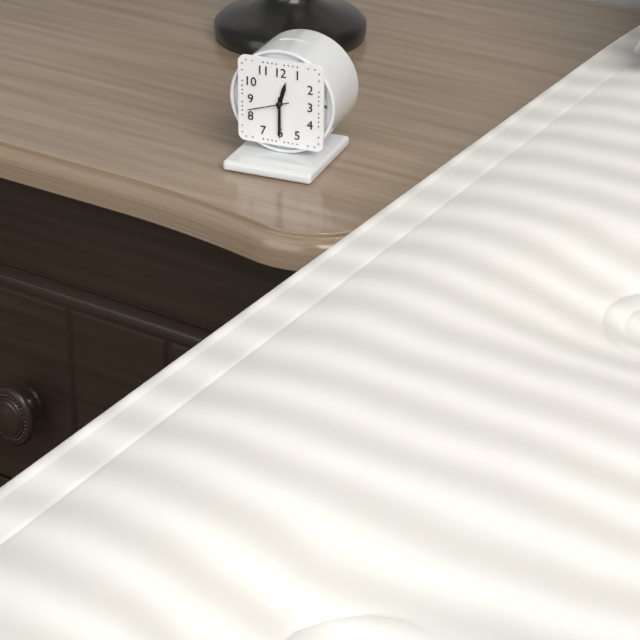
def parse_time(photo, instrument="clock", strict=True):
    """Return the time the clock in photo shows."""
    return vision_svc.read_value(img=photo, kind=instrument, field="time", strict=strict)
12:30
